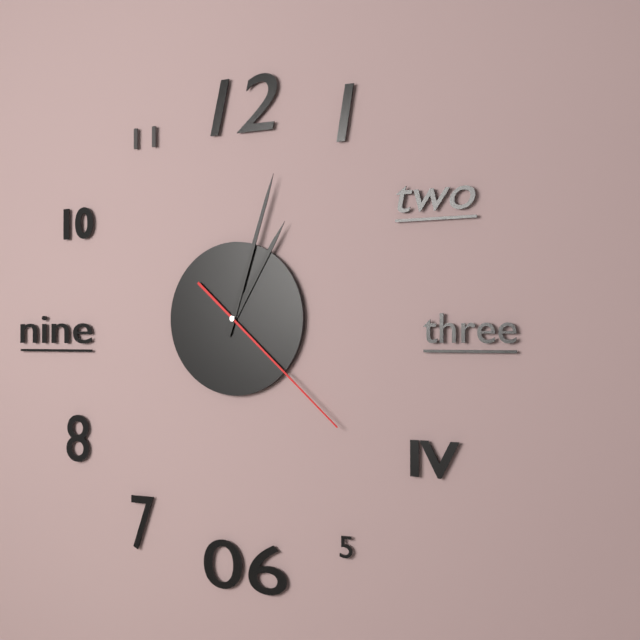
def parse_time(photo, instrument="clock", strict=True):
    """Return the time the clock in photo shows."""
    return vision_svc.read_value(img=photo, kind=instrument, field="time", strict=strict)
1:03:22
